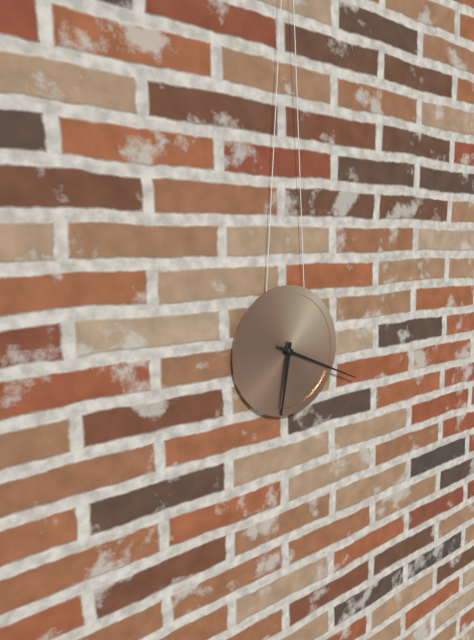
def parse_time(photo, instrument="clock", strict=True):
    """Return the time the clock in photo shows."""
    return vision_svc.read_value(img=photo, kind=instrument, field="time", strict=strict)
6:19
